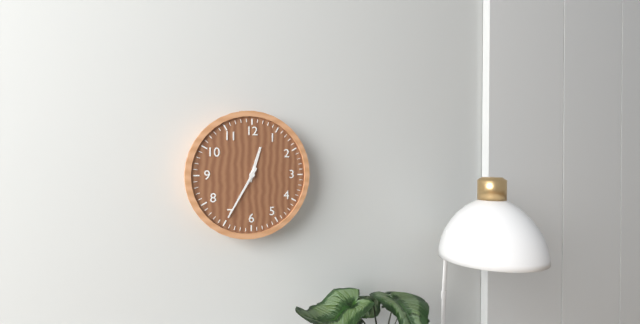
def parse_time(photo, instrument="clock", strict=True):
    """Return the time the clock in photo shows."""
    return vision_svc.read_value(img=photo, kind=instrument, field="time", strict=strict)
12:35
